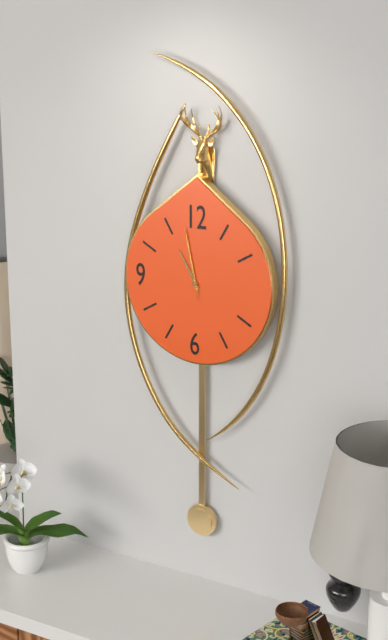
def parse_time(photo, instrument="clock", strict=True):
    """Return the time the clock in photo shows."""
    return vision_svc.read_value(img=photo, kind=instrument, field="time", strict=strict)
10:58:58
